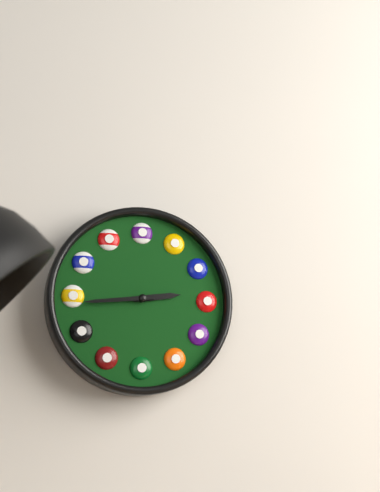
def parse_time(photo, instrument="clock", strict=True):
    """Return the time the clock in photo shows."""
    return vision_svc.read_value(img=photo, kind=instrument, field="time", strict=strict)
2:44
